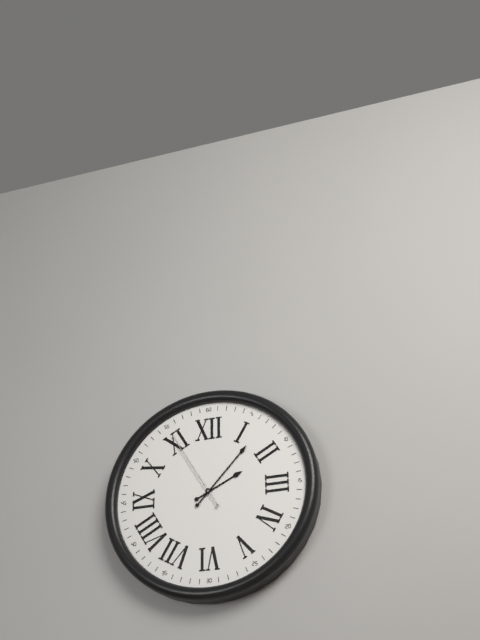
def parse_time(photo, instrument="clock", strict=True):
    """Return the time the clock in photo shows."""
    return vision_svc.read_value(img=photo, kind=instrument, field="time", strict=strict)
2:07:55
